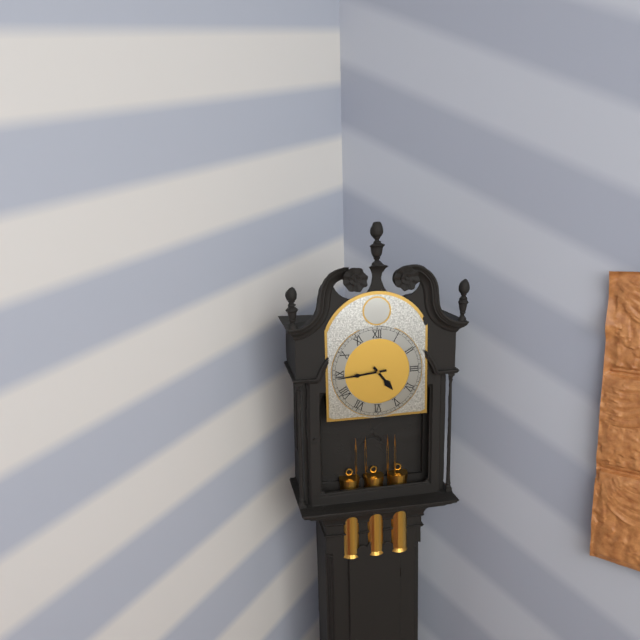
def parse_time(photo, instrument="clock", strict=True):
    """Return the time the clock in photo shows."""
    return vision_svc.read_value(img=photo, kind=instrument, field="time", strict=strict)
4:44
